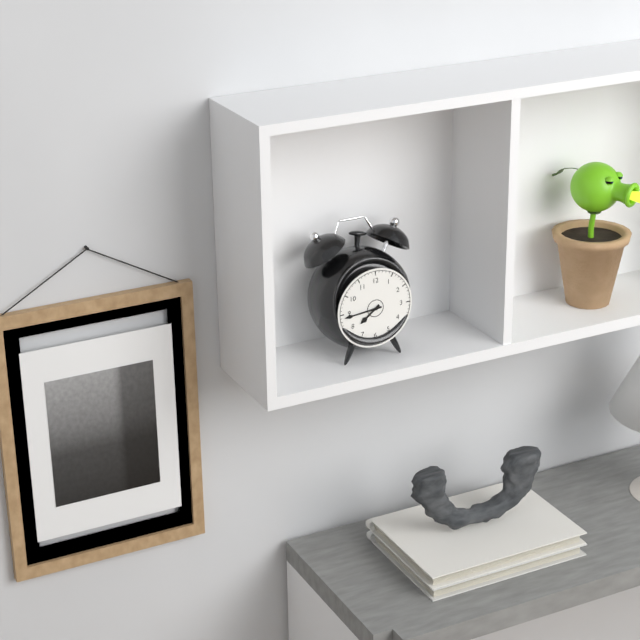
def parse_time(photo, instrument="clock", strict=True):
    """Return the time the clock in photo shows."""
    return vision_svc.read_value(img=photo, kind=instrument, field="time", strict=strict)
7:44
